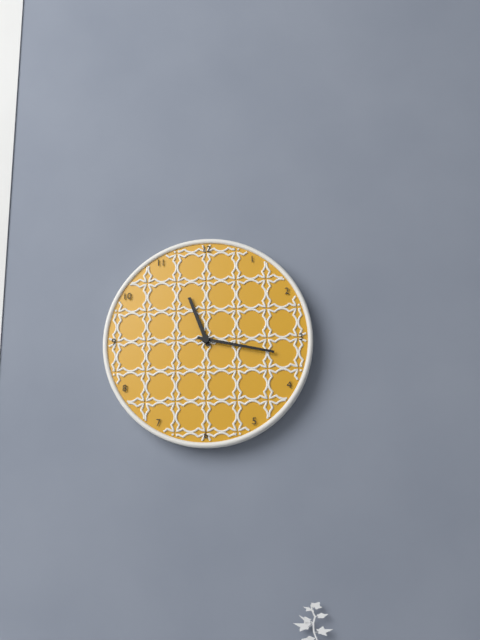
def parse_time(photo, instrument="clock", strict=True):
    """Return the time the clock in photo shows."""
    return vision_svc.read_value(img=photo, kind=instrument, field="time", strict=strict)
11:17
